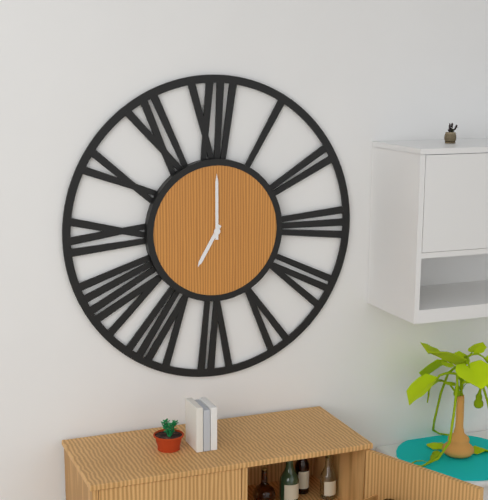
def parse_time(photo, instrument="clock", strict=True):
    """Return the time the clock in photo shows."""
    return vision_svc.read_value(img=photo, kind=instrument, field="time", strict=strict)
7:00
